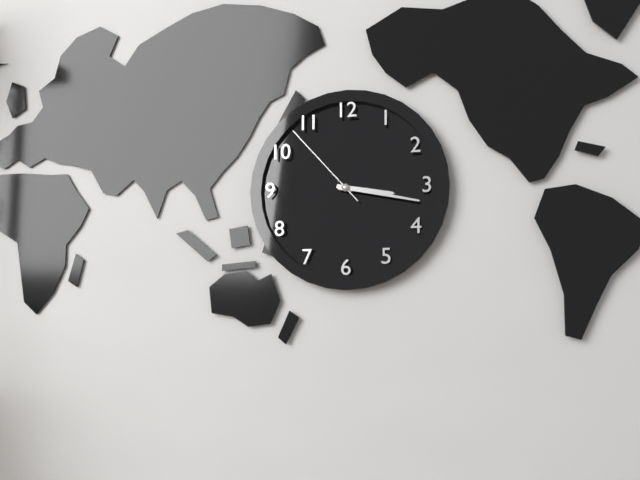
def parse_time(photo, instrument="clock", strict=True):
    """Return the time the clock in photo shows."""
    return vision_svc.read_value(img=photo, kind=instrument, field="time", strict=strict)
3:17:53
